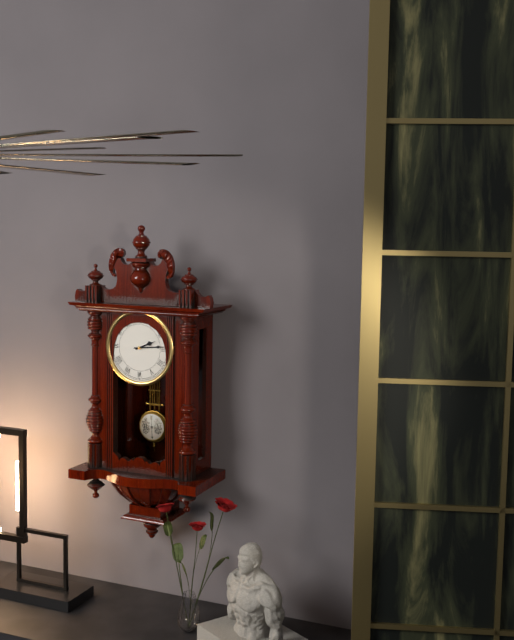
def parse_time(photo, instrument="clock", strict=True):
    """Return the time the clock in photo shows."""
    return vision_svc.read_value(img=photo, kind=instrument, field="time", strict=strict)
2:14
